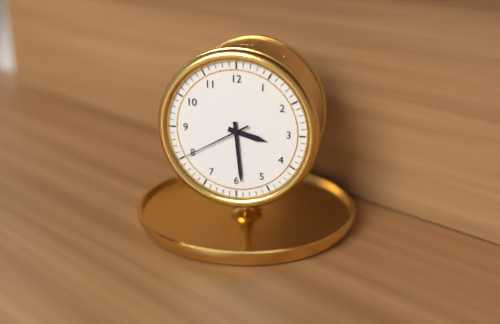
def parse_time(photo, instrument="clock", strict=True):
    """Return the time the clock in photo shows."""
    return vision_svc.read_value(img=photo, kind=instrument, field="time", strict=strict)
3:29:40
